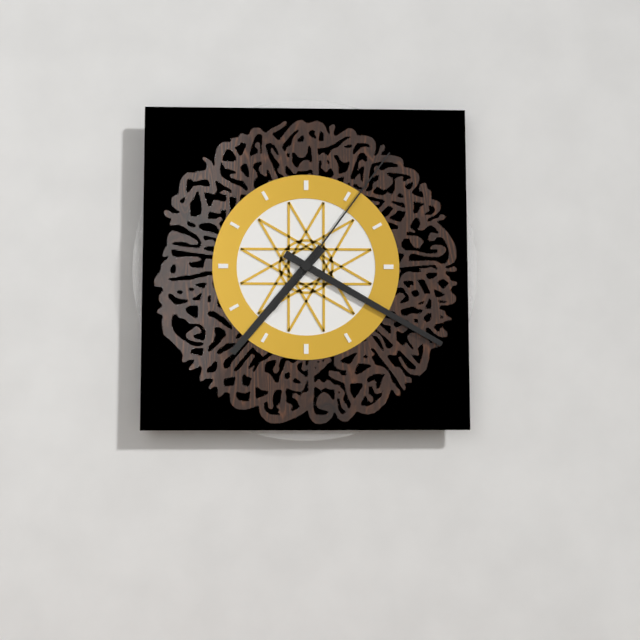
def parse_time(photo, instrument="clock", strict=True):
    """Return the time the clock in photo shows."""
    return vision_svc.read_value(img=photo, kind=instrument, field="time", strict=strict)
7:20:06
